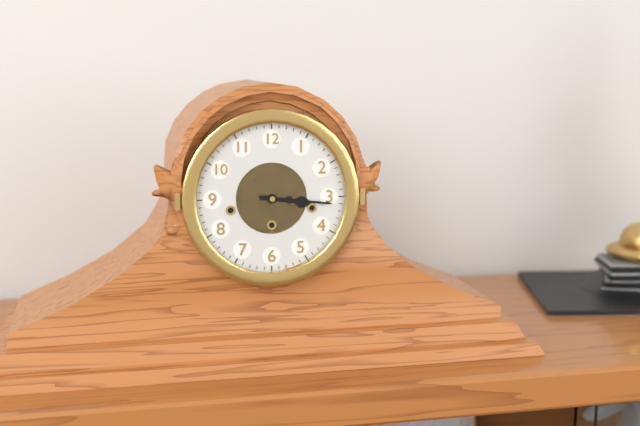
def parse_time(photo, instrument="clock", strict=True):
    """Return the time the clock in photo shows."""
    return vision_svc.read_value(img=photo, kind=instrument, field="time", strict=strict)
3:16
